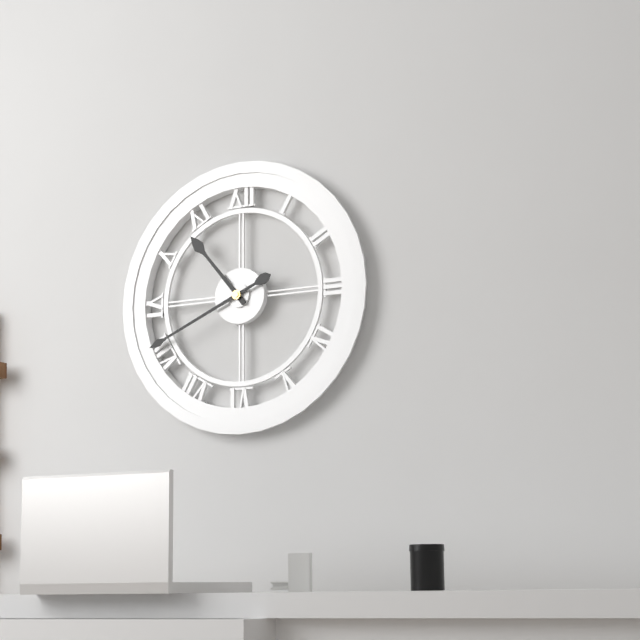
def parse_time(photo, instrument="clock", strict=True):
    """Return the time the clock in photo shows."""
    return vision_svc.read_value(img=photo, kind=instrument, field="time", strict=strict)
10:41
